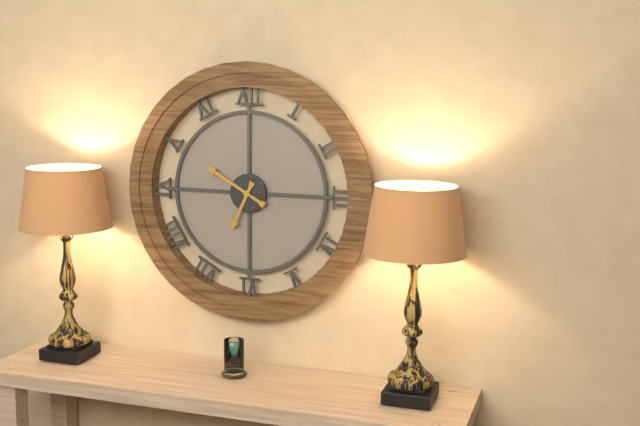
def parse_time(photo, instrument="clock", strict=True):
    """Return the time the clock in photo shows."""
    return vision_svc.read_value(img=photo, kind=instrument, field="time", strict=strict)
6:50
